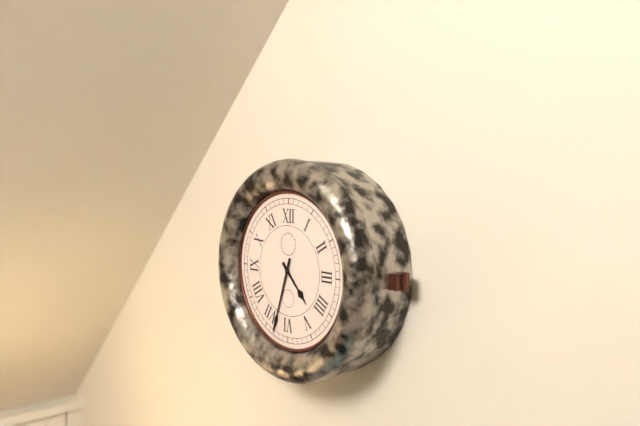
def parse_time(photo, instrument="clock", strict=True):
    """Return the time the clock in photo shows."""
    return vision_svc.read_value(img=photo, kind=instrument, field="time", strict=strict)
4:33
